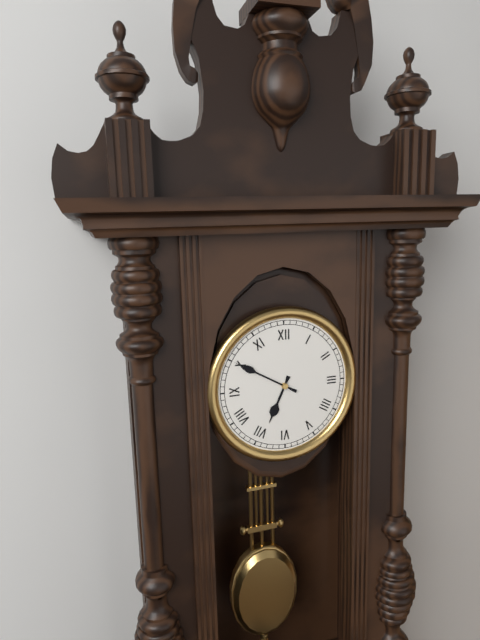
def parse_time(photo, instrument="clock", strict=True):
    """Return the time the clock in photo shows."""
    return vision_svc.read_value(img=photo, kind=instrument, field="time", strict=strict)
6:50
